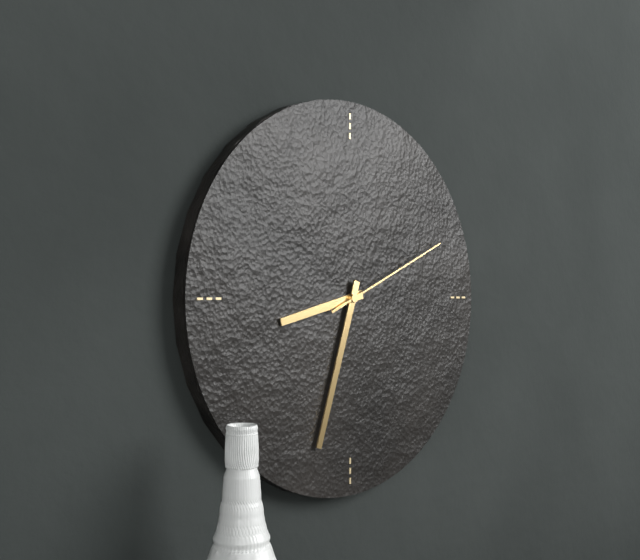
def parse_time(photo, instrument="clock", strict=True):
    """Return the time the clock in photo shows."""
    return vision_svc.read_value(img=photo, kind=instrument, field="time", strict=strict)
8:33:11
